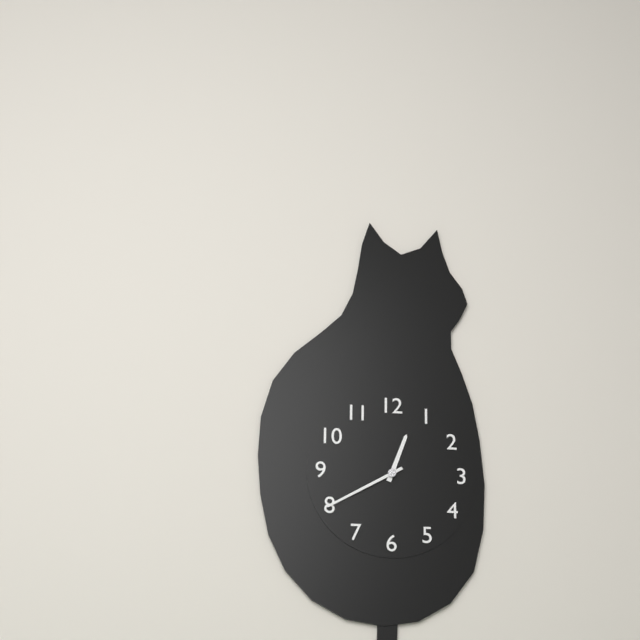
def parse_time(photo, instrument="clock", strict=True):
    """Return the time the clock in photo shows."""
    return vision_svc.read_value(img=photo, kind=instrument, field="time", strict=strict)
12:40
